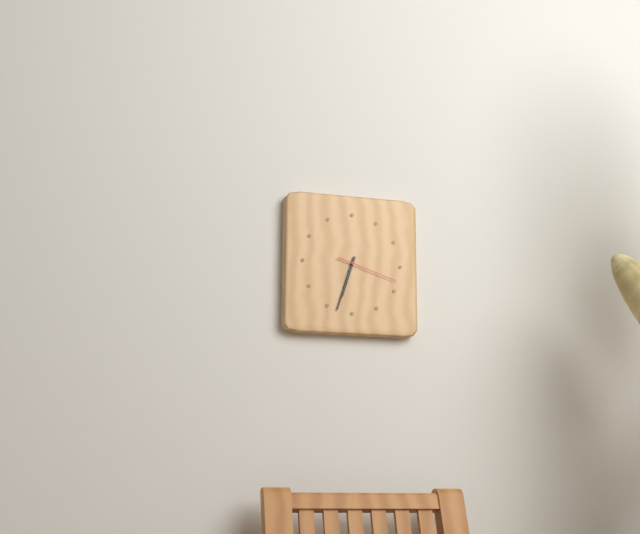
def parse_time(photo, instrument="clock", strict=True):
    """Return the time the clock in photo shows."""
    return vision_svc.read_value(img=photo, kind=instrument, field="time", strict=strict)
6:33:18
